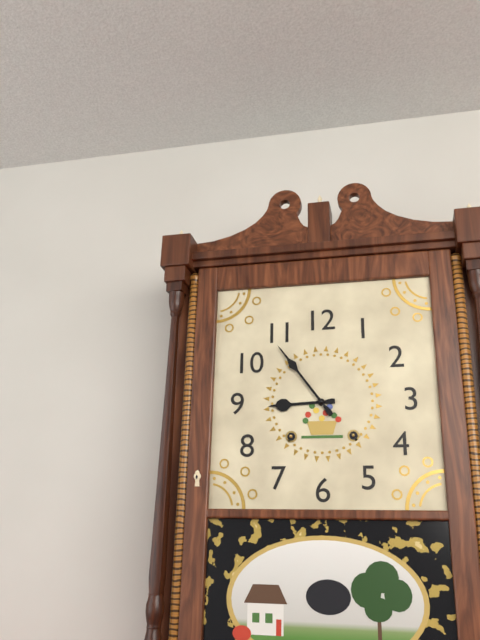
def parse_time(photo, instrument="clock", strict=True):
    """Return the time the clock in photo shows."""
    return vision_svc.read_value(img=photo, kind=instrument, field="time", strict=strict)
8:54
